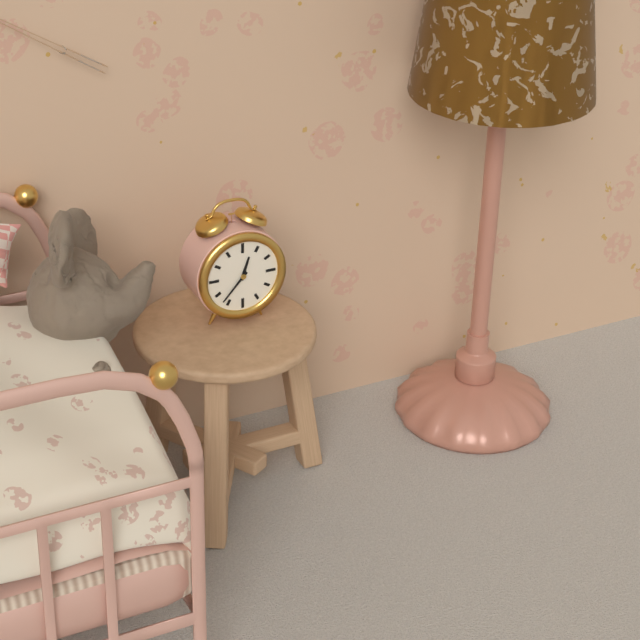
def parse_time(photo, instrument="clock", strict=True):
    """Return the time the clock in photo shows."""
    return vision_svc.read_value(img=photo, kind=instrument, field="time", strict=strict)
12:37
